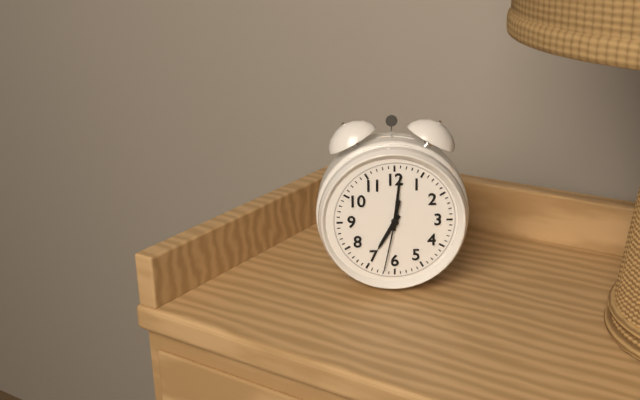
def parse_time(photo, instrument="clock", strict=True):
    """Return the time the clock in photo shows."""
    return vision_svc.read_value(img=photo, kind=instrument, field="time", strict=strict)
7:01:32
